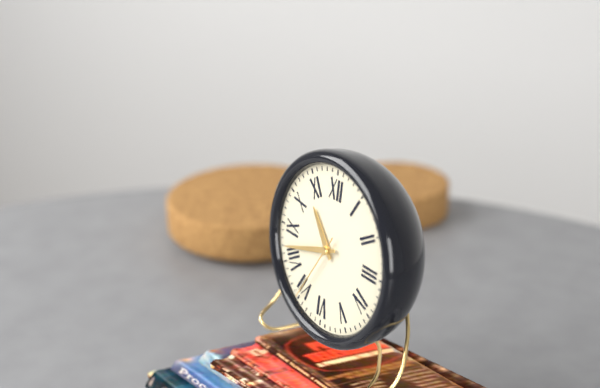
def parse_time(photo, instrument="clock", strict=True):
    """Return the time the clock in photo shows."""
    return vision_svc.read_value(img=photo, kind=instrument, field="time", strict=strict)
10:42:35
